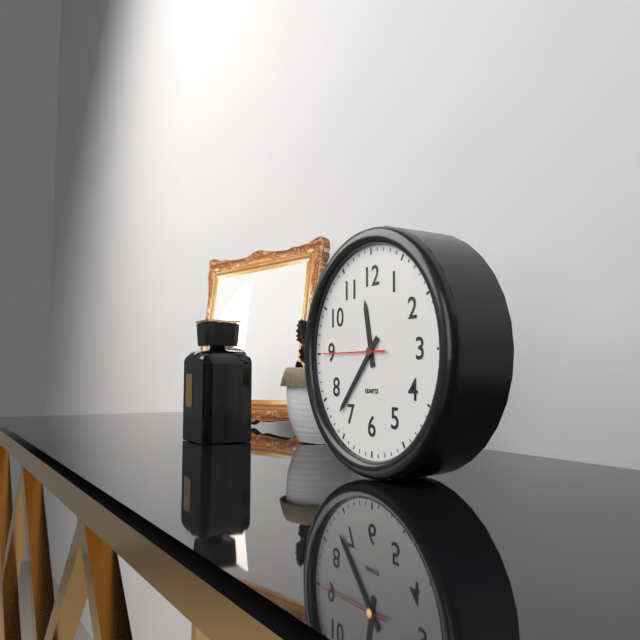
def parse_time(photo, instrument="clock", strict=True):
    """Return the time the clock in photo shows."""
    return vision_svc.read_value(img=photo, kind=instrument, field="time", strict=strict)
11:37:45
